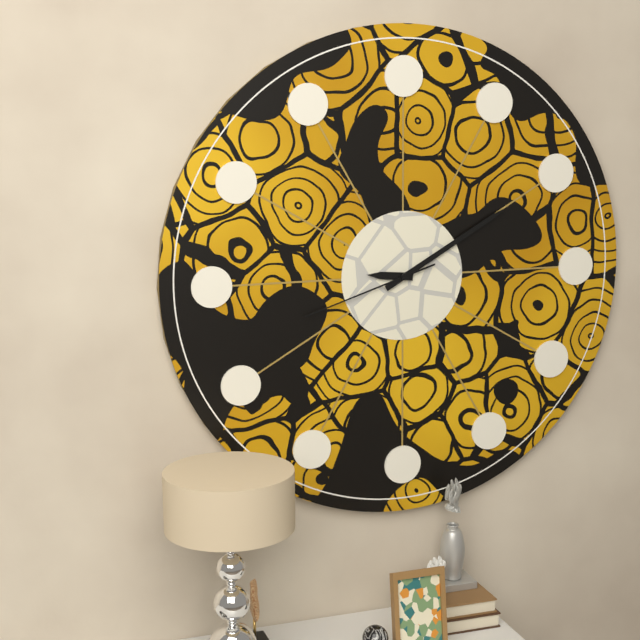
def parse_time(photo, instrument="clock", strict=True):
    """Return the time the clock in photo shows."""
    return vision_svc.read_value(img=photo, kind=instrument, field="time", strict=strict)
9:10:42
